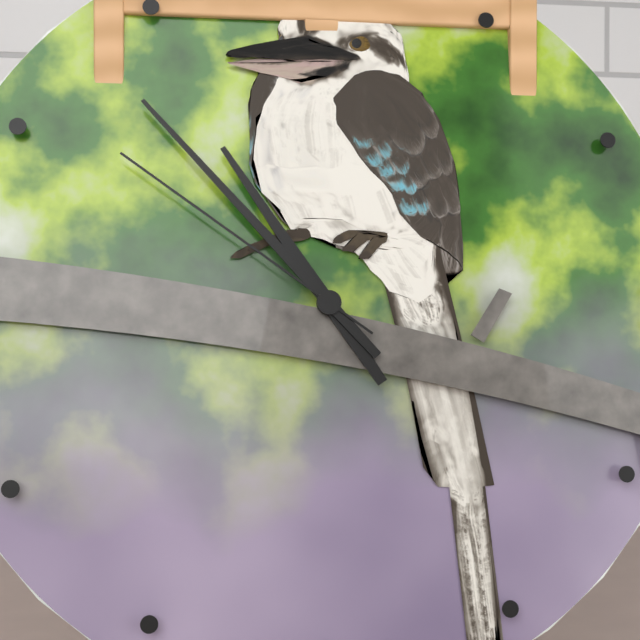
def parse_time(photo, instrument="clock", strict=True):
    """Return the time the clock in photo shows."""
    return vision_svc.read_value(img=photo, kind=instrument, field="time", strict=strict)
10:53:51
